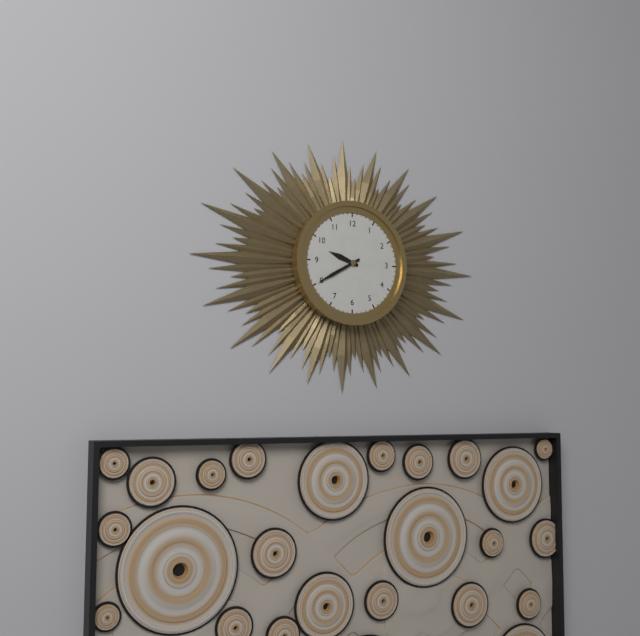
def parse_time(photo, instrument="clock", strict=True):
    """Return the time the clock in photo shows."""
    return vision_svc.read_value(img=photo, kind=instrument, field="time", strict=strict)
9:40
